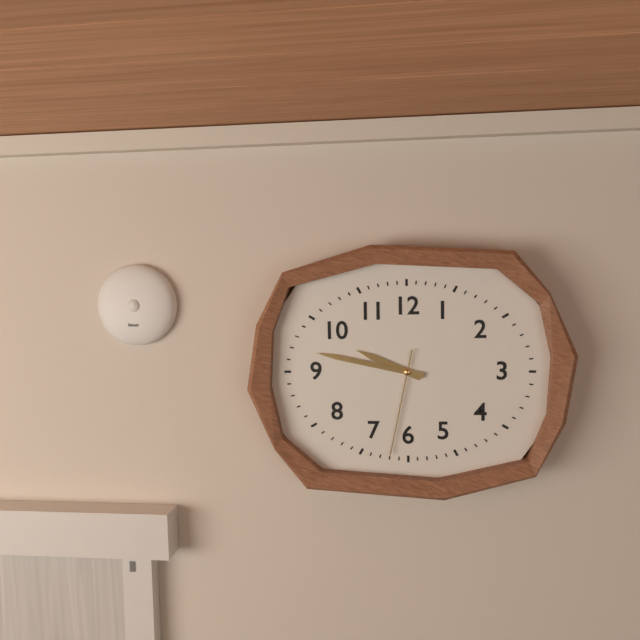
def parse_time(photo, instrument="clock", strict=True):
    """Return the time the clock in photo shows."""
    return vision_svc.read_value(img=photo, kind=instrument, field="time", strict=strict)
9:47:32
